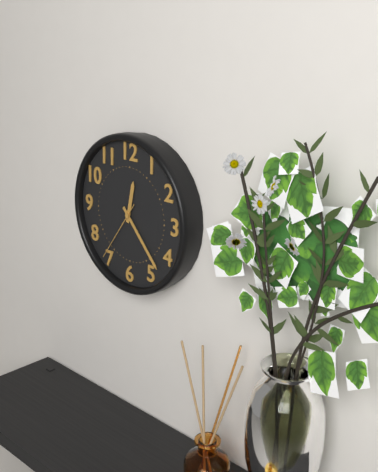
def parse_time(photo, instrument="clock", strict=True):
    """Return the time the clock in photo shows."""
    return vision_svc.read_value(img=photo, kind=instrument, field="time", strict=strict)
12:23:36
